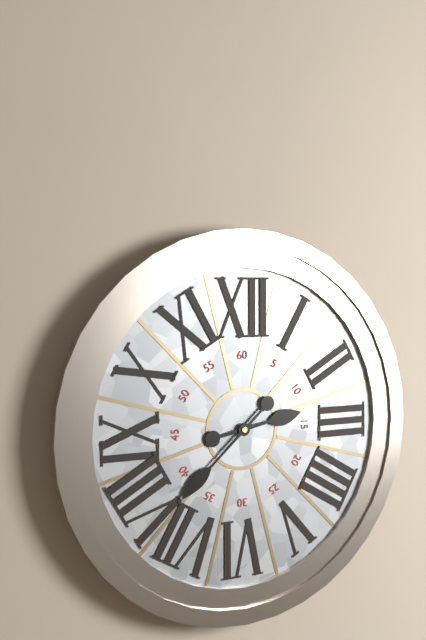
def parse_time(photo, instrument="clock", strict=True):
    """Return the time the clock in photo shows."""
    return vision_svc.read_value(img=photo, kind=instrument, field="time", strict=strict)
2:38
